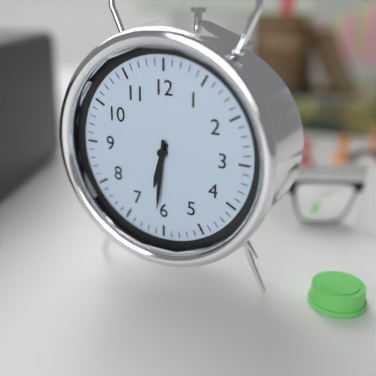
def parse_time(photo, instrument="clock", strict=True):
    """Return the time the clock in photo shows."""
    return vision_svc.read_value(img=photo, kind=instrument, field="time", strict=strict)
6:31
